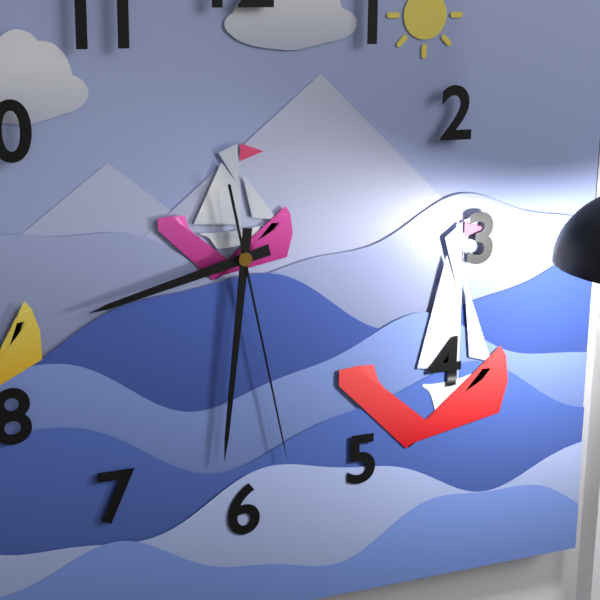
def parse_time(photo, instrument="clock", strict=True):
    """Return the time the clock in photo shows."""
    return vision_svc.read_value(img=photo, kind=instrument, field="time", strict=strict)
8:31:28
